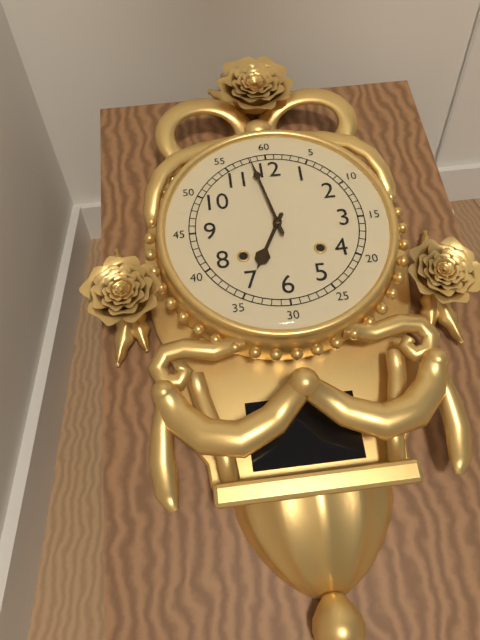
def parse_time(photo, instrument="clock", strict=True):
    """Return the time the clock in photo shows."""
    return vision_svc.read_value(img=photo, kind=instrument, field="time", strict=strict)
6:58
